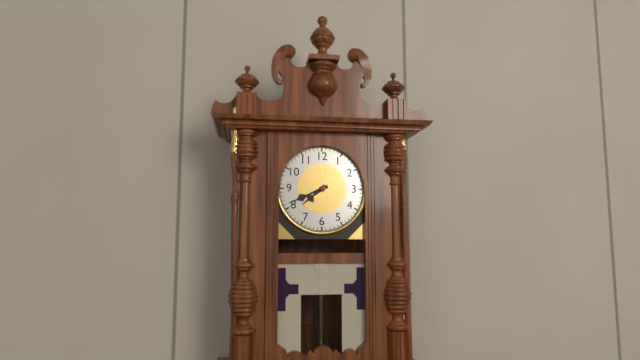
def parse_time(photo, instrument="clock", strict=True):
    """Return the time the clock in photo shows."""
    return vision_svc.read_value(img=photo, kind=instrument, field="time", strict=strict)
7:41
